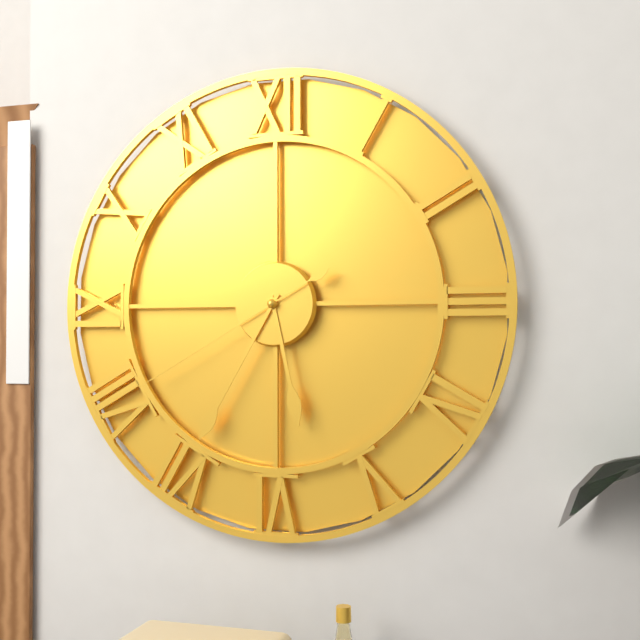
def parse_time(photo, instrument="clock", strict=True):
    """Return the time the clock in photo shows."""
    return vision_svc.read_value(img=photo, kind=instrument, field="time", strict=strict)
5:35:40
